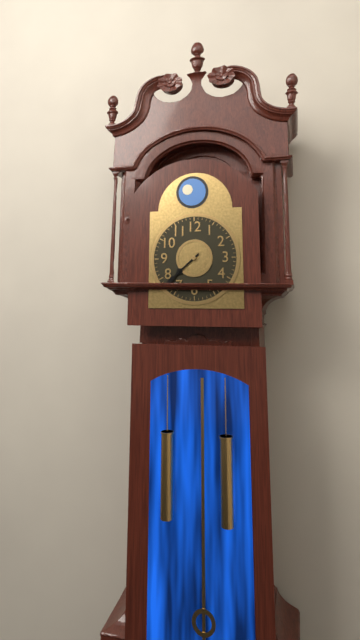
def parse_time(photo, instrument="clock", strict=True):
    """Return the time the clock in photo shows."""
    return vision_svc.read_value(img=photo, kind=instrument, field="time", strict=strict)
7:38
